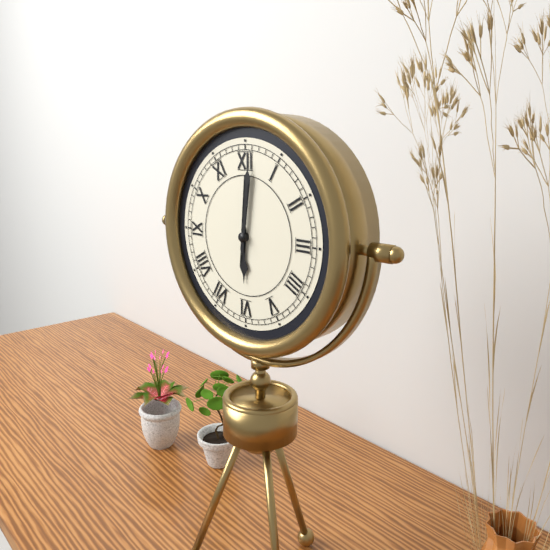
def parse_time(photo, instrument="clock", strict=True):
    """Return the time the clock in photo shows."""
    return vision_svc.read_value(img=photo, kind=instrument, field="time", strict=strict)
6:01
